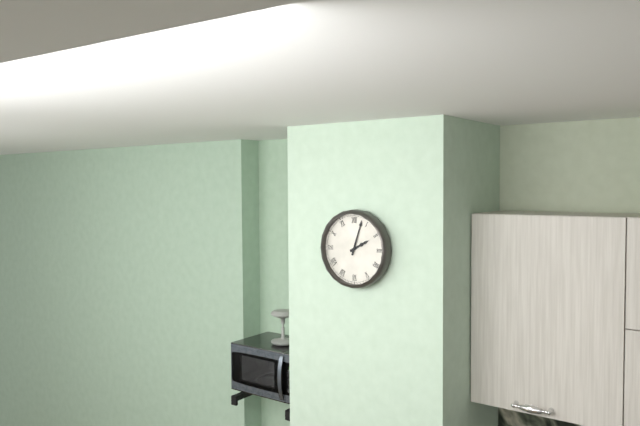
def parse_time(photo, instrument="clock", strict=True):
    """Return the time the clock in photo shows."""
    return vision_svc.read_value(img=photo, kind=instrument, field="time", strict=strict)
2:03
